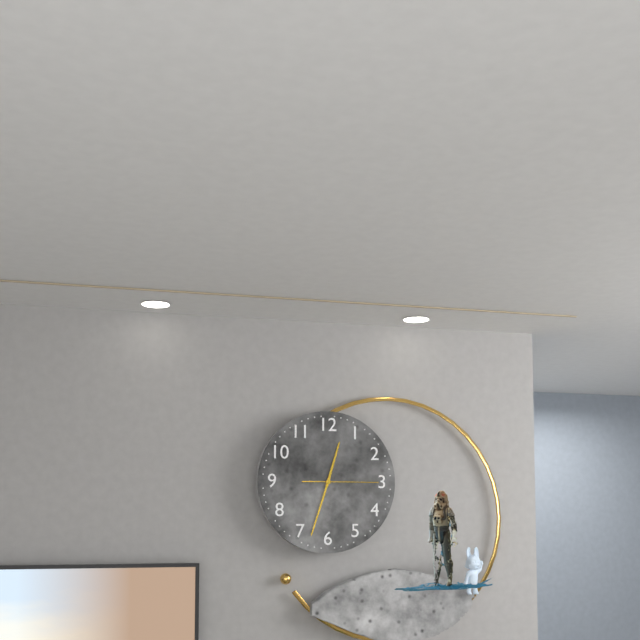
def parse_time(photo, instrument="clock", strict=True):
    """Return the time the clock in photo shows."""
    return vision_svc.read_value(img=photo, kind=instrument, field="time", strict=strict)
12:33:15
